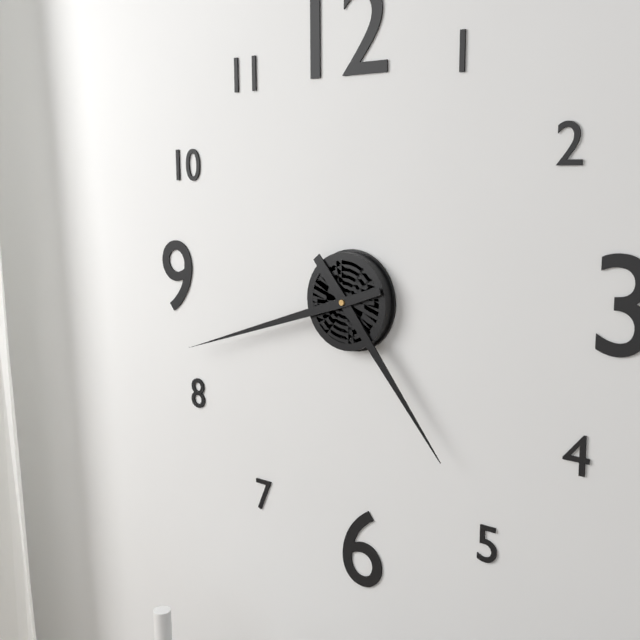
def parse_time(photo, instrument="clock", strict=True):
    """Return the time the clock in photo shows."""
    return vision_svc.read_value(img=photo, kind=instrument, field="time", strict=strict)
4:42
